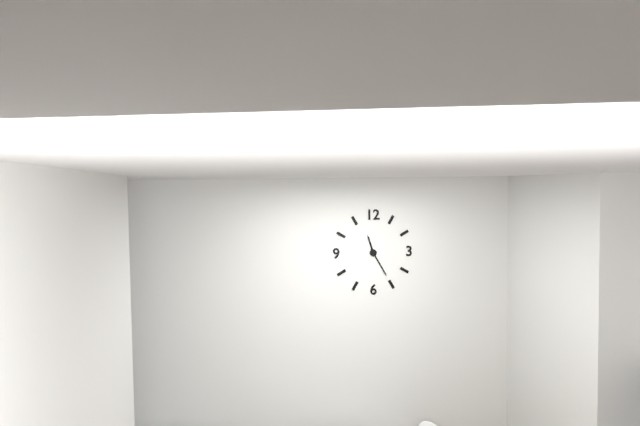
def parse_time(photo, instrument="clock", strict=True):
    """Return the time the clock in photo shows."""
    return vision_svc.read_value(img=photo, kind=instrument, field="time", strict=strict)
11:25
